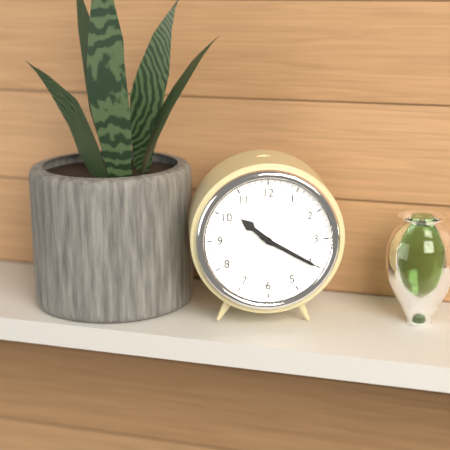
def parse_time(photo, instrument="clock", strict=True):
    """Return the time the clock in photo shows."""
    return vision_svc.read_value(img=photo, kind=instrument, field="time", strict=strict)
10:20
